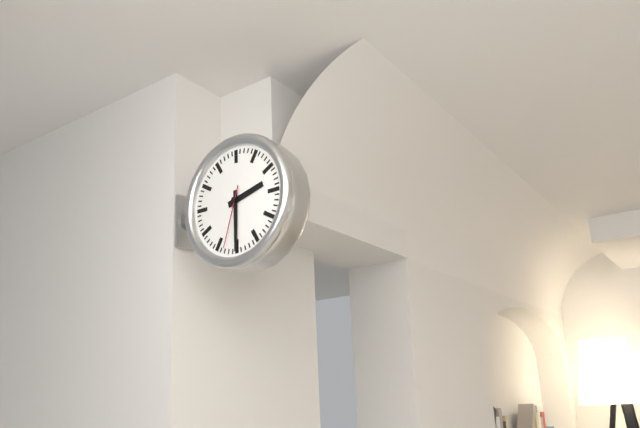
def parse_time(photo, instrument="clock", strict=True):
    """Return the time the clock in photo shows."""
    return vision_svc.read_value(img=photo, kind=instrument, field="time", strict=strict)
2:30:33
